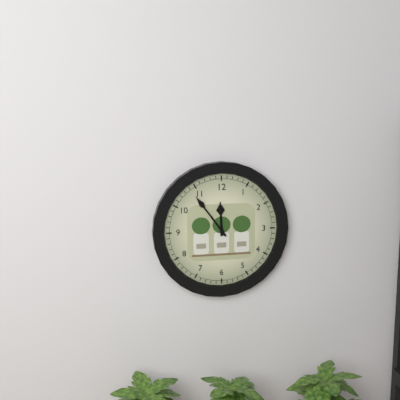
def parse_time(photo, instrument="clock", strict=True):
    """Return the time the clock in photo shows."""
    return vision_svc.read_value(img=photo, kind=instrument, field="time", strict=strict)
11:54
